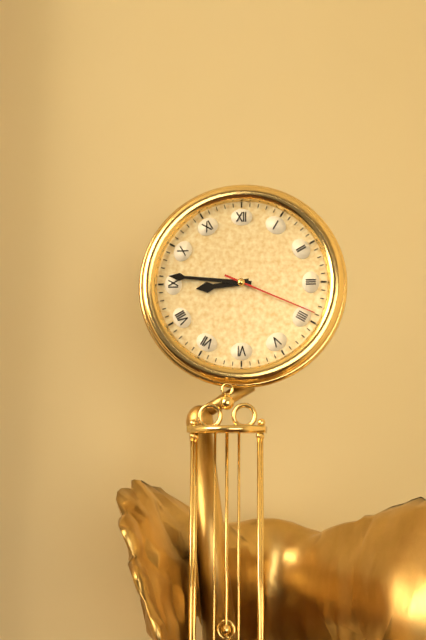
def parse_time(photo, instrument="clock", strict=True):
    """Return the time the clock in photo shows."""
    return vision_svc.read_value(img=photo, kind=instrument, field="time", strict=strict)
8:46:19
